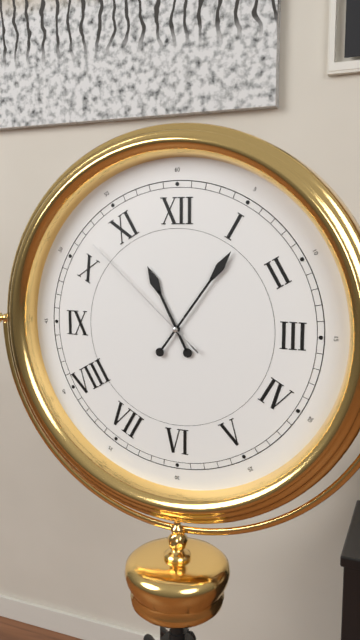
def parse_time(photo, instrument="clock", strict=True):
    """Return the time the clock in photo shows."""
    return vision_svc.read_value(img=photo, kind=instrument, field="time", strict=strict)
11:06:52
